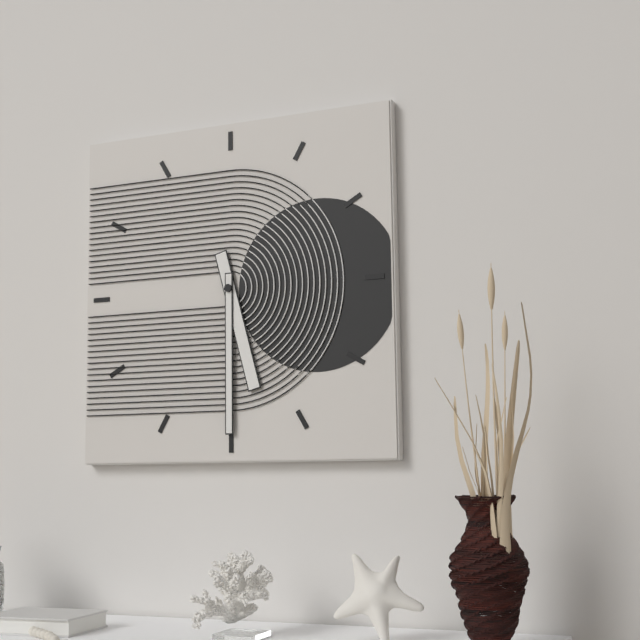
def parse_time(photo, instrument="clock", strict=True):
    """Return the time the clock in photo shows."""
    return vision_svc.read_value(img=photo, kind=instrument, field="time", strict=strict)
5:30
